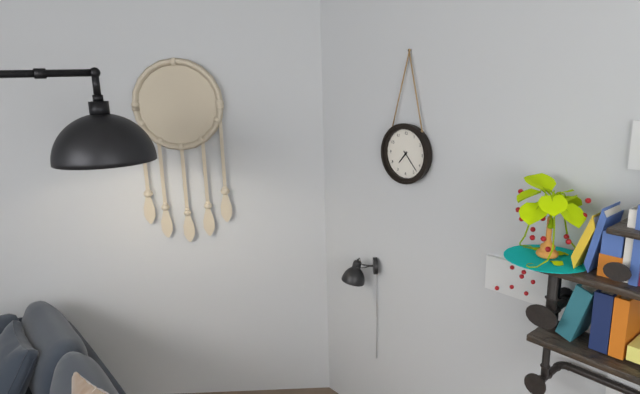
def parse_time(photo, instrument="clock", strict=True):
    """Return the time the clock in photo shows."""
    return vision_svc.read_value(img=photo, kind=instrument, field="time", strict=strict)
7:23
